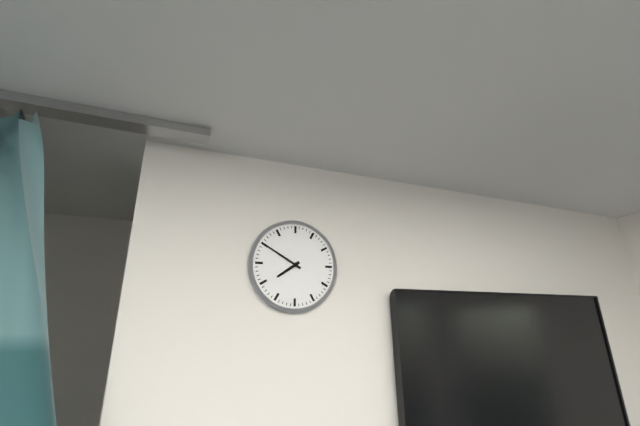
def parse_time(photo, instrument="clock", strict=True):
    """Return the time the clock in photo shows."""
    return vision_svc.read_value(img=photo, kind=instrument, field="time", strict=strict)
7:50
